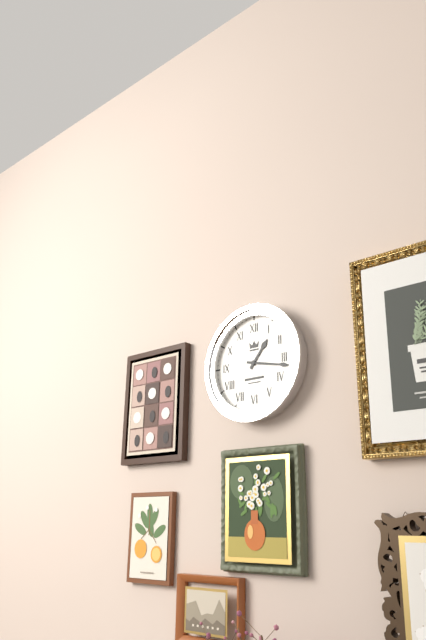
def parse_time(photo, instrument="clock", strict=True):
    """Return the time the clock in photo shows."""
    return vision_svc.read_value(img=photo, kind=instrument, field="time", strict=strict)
1:17
